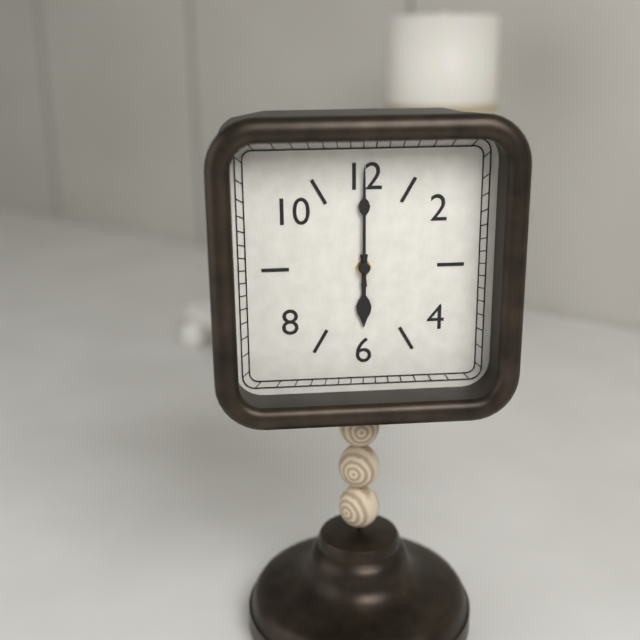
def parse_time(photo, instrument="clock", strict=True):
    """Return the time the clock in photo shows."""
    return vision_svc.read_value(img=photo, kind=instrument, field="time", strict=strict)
6:00
